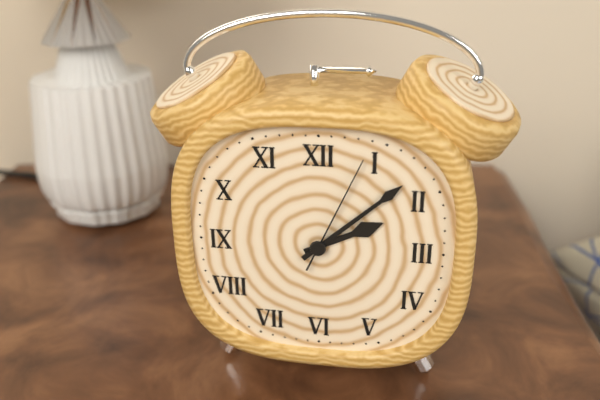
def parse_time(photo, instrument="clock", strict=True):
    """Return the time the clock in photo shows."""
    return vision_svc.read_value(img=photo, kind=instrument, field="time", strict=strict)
2:08:04
